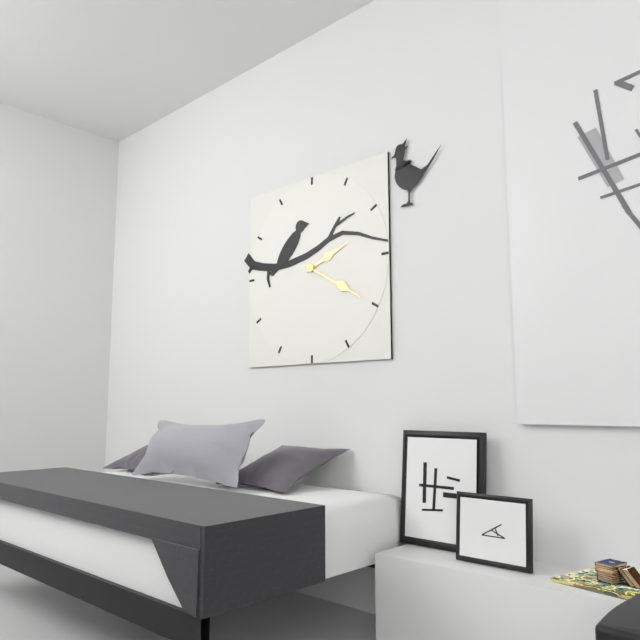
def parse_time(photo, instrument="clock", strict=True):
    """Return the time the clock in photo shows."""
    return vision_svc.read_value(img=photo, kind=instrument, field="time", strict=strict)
2:20
